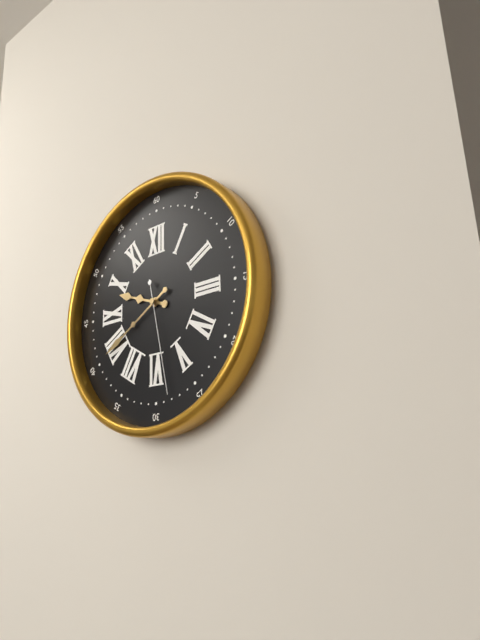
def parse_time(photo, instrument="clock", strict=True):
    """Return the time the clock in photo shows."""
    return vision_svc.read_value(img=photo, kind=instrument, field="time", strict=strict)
9:40:28
